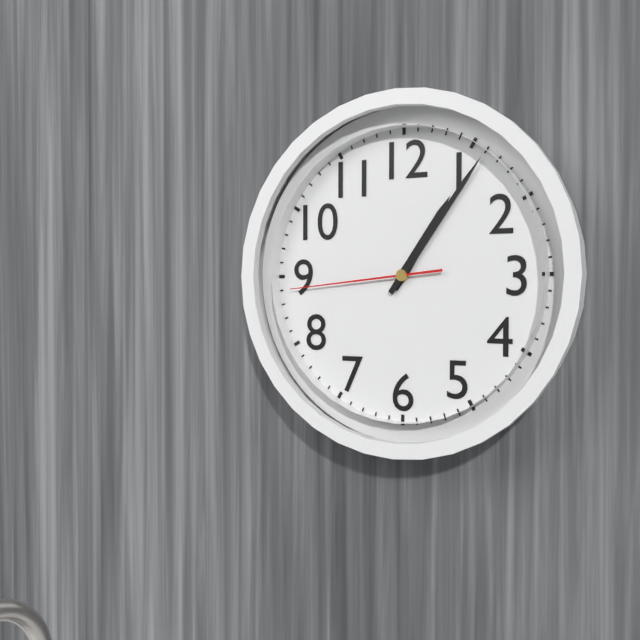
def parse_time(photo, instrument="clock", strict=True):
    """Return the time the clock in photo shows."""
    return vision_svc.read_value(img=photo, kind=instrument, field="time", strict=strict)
1:06:44
